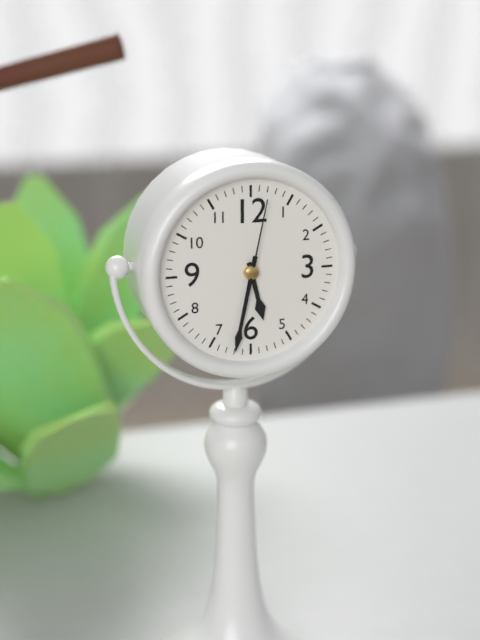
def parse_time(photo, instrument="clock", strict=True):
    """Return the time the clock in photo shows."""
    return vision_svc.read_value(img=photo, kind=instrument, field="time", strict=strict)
5:32:02
